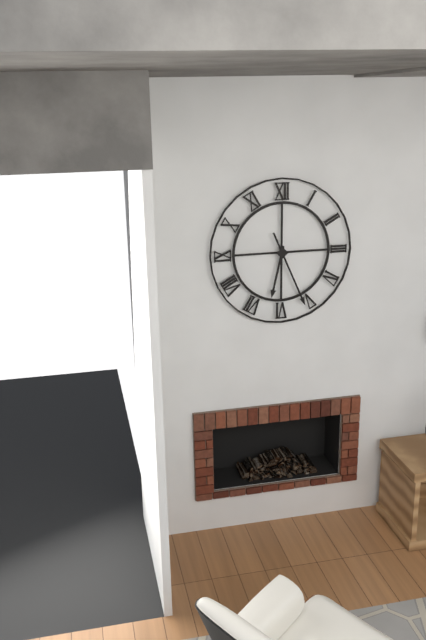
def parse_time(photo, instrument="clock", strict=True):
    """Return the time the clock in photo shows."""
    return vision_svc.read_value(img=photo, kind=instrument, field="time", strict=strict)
6:26
